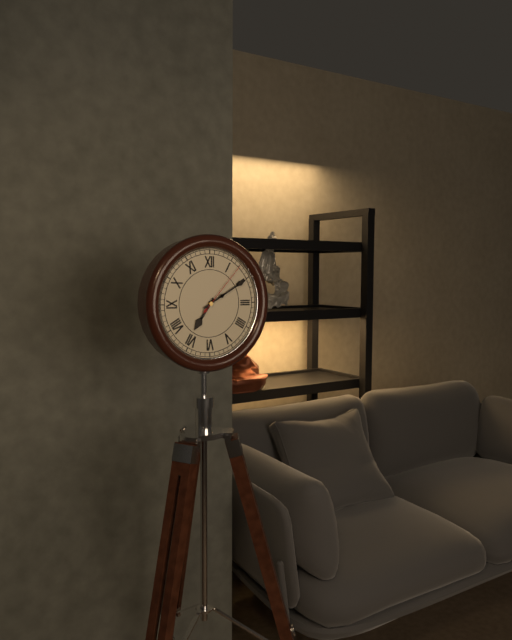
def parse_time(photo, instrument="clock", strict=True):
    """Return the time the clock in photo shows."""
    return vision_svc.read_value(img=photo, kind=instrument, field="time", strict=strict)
7:10:07
